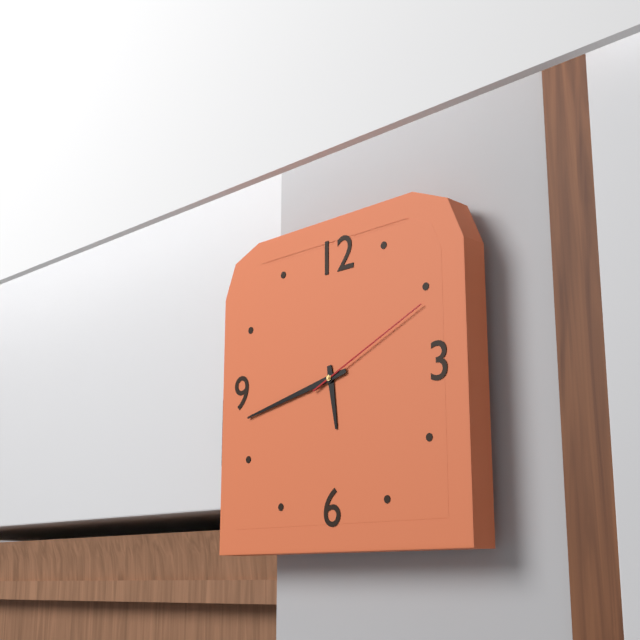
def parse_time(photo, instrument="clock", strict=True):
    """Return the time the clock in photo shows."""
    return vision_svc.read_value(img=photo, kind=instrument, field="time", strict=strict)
5:43:11
